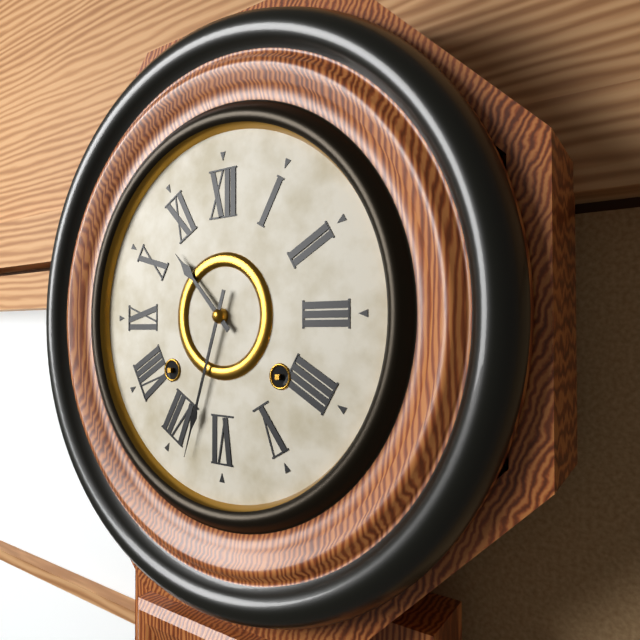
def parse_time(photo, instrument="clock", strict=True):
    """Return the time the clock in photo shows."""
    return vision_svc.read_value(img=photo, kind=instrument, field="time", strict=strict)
10:33
